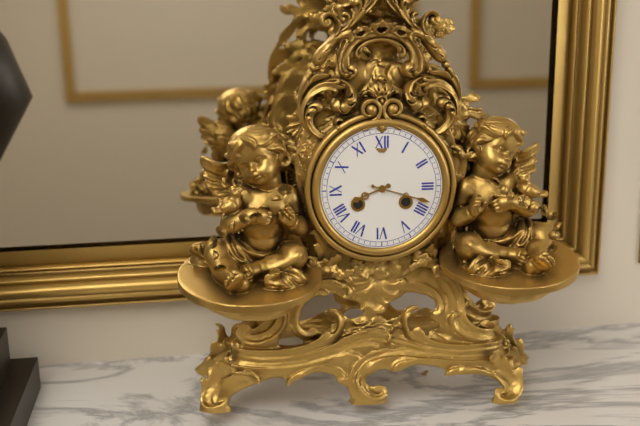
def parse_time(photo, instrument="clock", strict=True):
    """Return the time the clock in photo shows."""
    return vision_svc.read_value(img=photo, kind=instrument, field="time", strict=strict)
8:18
